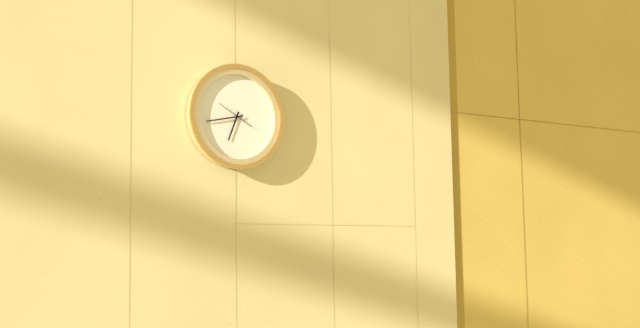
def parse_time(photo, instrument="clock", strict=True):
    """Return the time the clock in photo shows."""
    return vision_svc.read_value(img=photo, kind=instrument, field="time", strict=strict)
6:43
